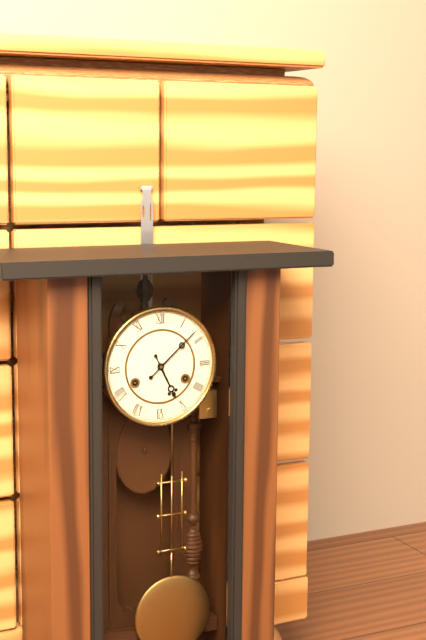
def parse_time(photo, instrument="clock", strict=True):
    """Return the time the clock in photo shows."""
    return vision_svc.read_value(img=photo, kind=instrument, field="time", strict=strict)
5:08
